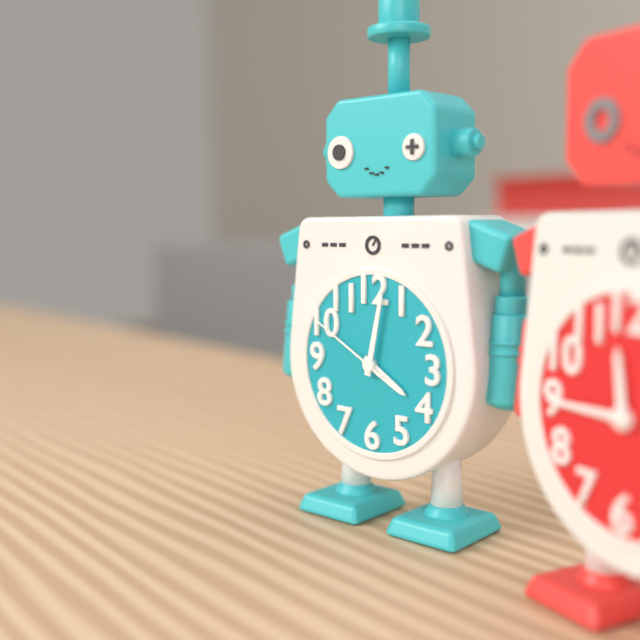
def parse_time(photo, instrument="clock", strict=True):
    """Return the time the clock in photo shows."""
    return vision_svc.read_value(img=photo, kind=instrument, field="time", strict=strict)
4:02:50
